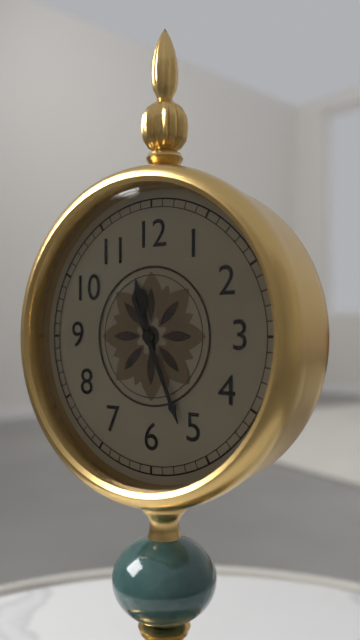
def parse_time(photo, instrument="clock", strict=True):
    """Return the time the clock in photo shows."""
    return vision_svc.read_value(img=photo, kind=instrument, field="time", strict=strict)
11:26
